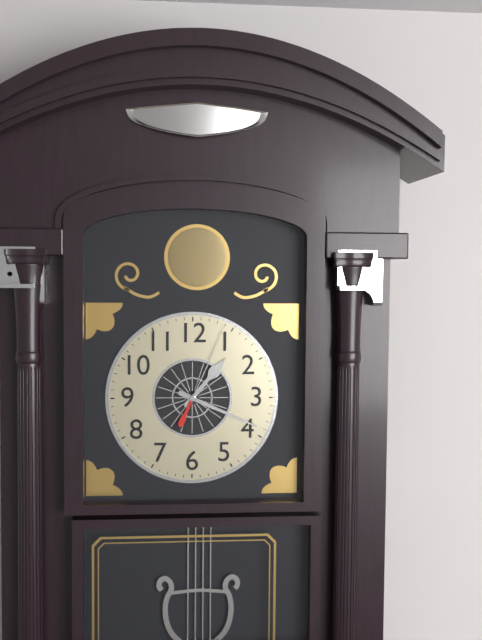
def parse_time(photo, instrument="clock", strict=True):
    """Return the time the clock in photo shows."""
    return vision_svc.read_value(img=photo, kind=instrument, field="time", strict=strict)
1:19:04
